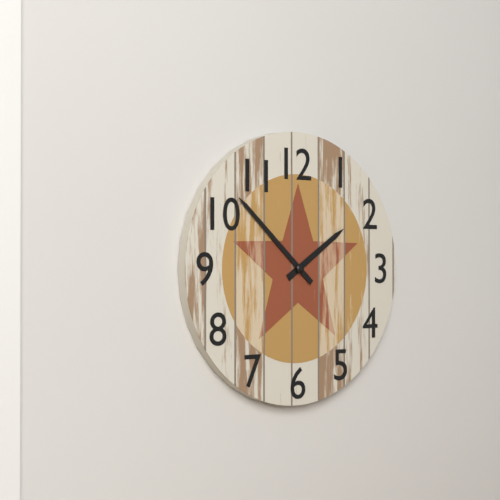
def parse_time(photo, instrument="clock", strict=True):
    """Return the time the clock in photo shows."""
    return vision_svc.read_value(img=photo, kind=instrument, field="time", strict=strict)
1:52
